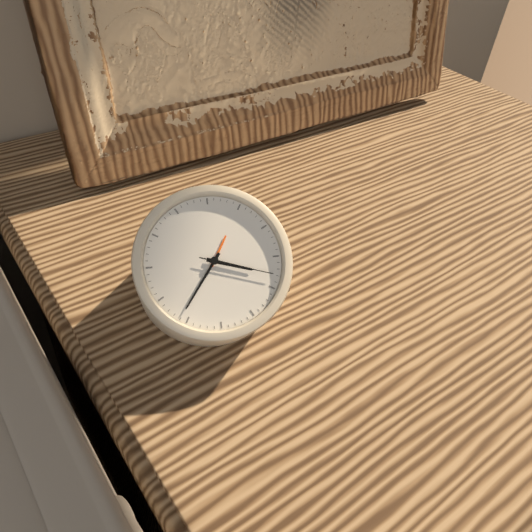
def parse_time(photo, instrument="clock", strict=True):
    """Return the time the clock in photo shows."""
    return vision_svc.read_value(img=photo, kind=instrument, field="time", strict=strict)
3:36:18
